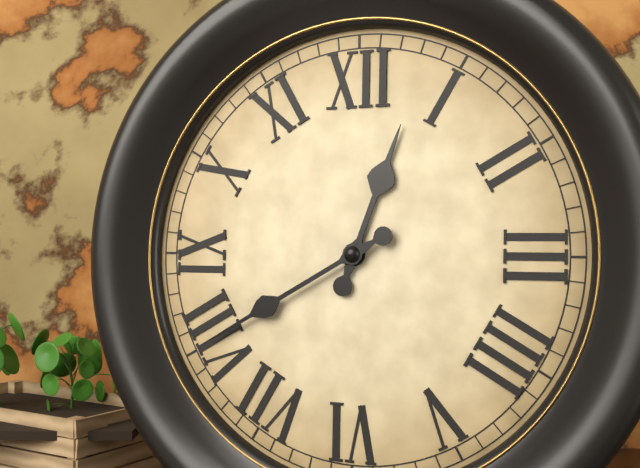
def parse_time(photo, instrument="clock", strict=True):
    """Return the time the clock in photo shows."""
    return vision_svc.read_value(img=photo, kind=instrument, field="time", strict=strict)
12:40
